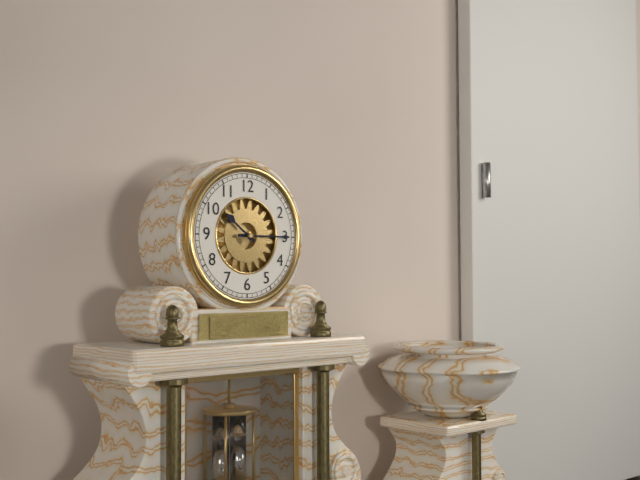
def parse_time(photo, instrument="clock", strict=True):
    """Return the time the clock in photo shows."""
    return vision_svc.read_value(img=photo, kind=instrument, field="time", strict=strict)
10:15
